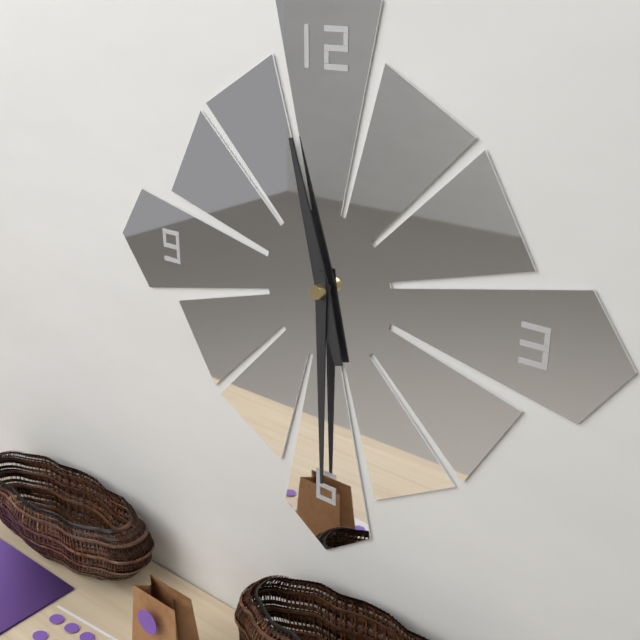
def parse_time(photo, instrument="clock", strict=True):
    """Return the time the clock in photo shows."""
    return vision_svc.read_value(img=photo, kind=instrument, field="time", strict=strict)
11:30
